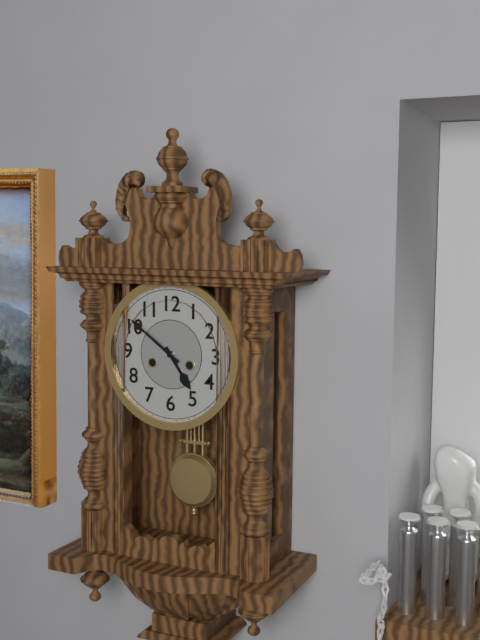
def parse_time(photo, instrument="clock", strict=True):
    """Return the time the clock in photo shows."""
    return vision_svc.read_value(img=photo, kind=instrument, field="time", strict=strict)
4:51
